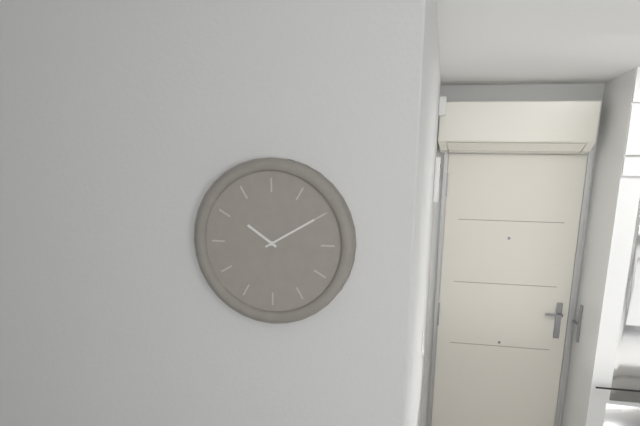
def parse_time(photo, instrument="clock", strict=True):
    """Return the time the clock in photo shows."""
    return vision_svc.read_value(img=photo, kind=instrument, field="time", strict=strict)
10:10
